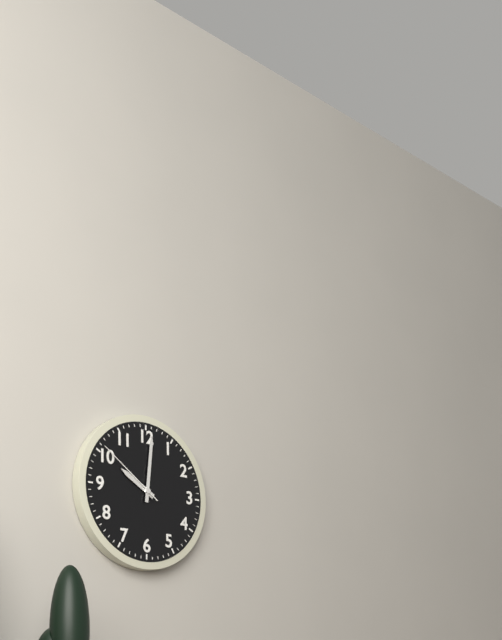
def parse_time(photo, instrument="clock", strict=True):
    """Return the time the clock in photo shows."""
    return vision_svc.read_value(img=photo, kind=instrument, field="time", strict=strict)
10:01:51
